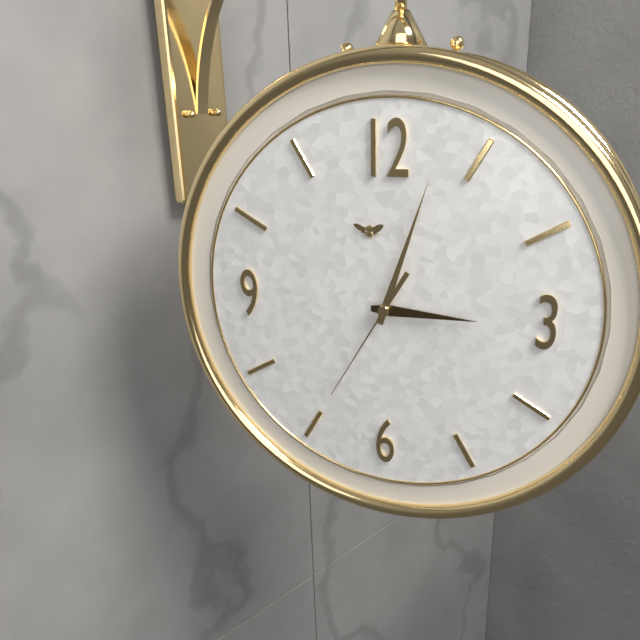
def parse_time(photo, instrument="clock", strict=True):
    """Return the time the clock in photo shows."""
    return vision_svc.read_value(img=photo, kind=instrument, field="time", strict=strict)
3:03:35
